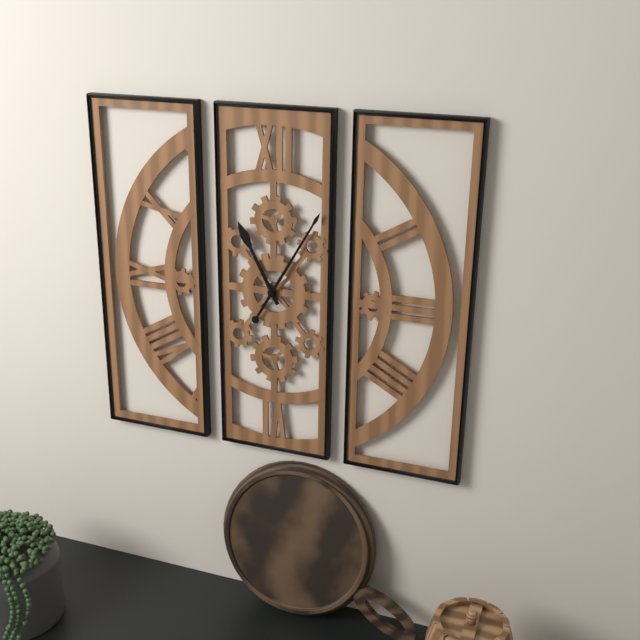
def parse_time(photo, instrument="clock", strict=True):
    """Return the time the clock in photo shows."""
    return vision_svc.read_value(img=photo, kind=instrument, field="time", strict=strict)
11:05
